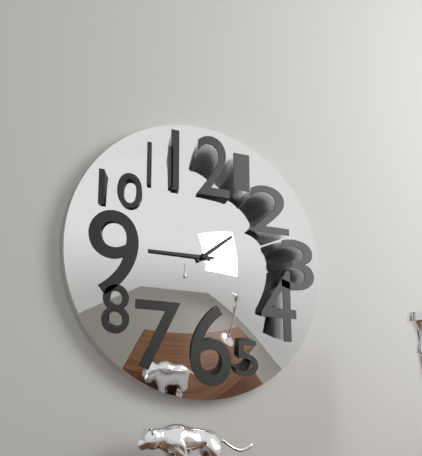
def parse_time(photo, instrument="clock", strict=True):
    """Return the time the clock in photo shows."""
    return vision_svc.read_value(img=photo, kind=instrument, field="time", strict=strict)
1:45
